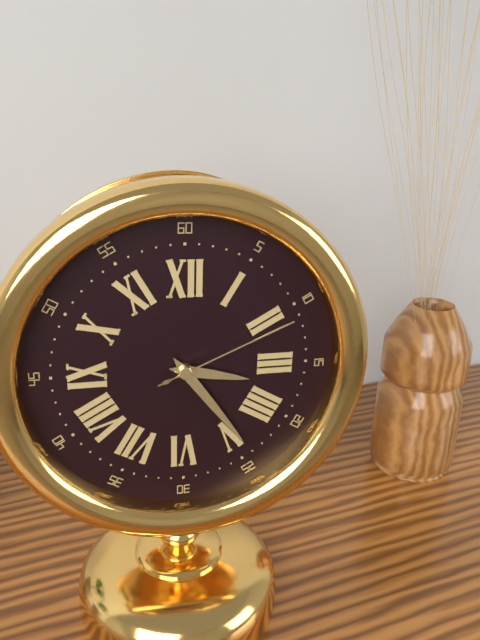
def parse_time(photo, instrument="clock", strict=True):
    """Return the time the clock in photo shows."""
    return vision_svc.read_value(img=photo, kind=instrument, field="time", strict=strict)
3:24:11
